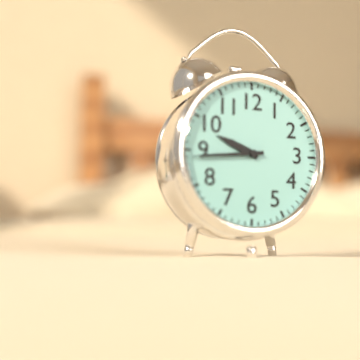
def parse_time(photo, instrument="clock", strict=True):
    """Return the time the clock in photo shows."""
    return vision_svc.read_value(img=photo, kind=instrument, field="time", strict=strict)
9:44
